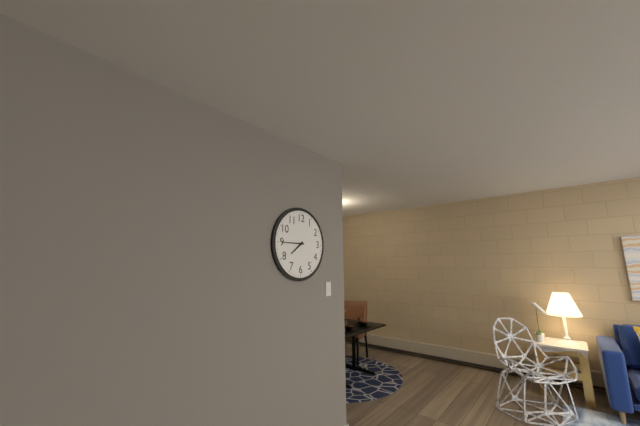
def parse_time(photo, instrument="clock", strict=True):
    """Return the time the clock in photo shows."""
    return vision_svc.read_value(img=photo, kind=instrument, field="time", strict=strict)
7:45
